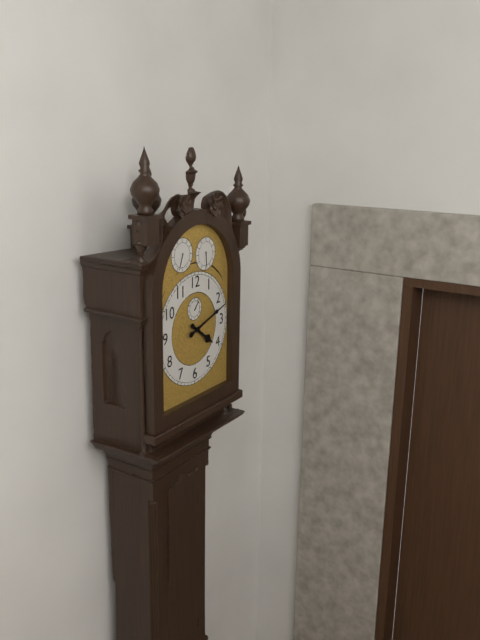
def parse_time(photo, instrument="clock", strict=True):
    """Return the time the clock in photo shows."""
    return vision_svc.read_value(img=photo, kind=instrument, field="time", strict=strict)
4:12
